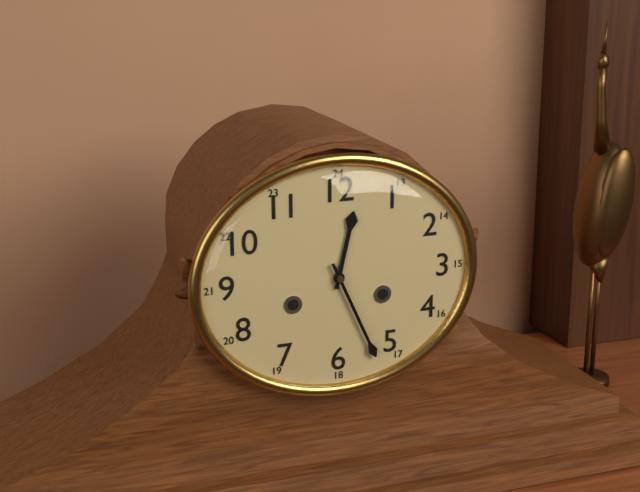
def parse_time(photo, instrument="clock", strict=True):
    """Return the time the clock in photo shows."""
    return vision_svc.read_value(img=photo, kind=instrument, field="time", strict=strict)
12:26
